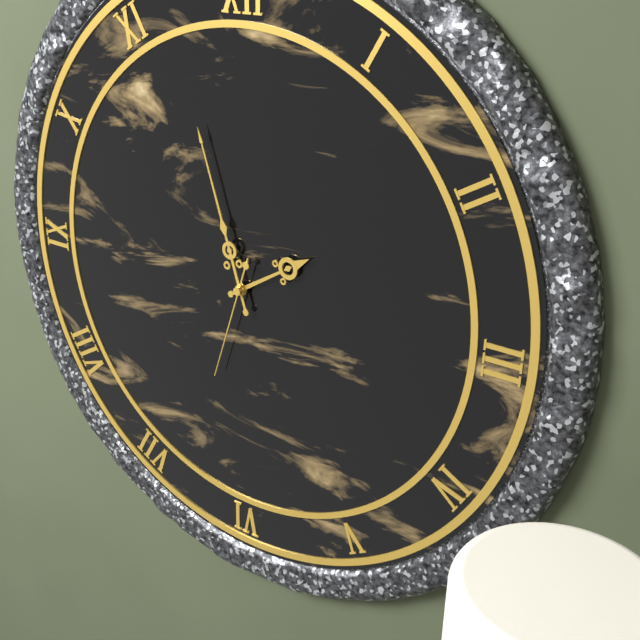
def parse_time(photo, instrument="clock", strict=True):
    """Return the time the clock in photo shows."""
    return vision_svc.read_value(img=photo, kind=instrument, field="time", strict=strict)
1:57:33
